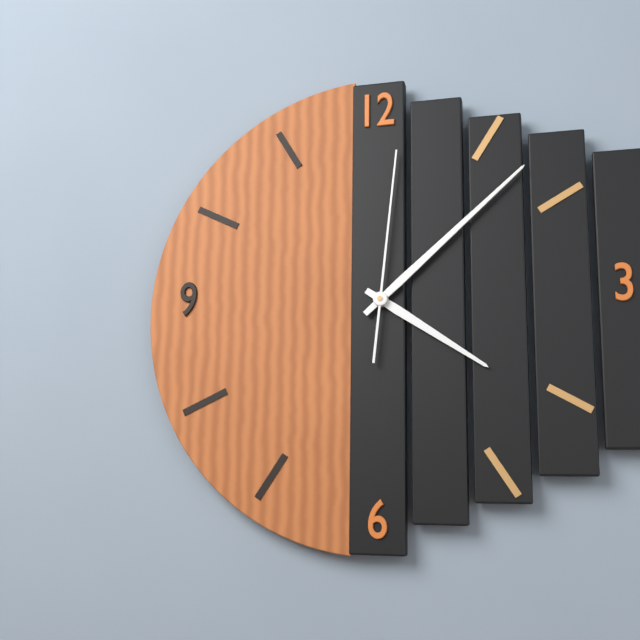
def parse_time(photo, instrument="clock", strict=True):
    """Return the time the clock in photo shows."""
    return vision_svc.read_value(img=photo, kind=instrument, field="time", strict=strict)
4:08:01
